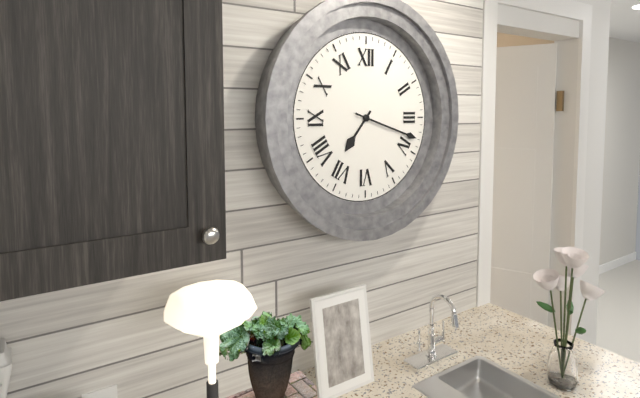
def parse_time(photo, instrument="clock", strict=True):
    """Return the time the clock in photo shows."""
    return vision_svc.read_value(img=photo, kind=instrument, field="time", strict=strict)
7:18
